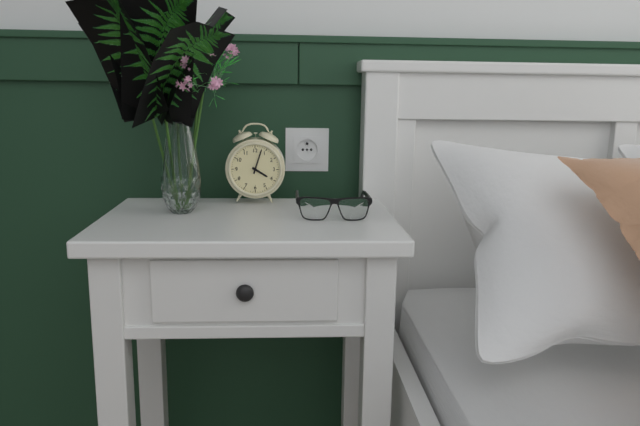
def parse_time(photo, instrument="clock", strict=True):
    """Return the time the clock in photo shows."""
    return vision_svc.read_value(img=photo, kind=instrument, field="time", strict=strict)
4:03
